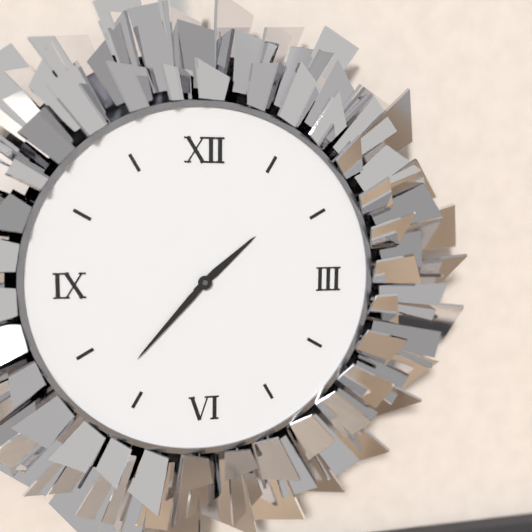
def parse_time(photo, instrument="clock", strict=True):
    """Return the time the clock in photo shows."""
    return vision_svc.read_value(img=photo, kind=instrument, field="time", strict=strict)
1:37
